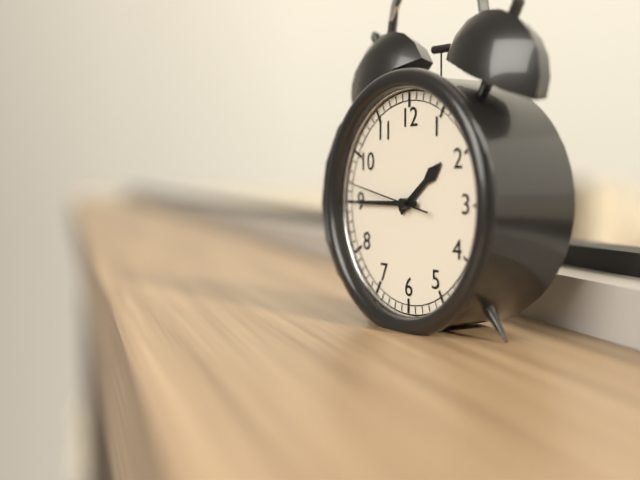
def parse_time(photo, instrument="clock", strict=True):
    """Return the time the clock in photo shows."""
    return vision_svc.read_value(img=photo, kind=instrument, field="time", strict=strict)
1:45:47
